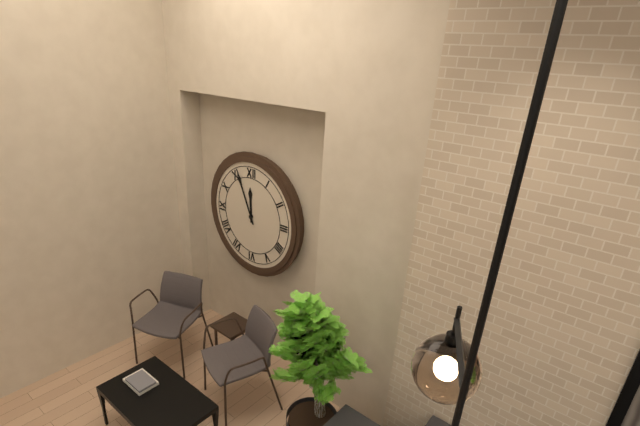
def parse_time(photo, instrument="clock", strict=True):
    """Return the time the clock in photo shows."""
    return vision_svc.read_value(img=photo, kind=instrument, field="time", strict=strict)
11:56
